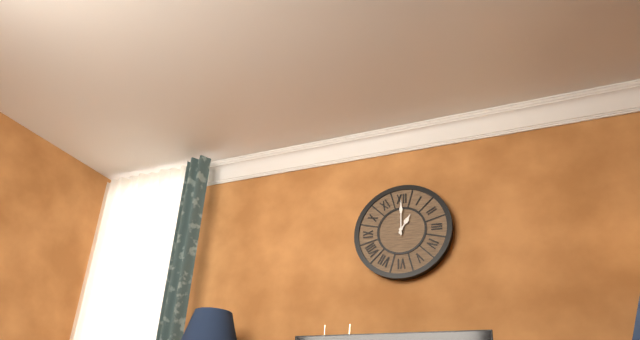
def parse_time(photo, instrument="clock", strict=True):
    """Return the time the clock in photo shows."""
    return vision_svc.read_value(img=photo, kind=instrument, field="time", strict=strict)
1:00
